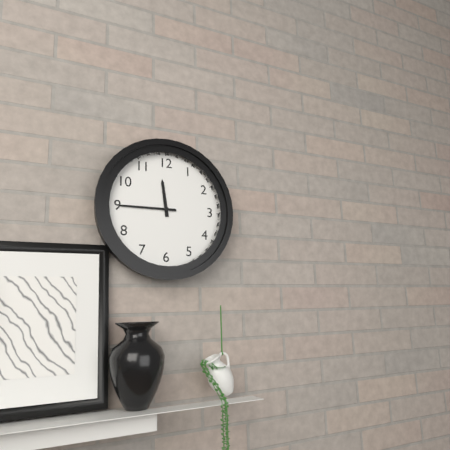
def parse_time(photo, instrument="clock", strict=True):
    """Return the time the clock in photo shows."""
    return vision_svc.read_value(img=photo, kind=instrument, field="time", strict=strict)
11:45
